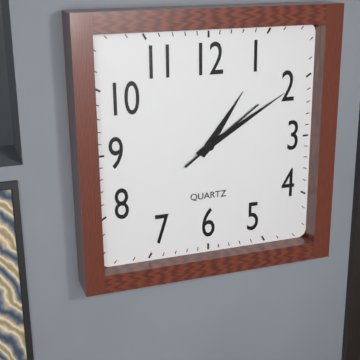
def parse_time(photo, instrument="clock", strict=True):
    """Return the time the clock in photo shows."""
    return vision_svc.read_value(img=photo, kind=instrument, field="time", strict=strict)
1:10:09
